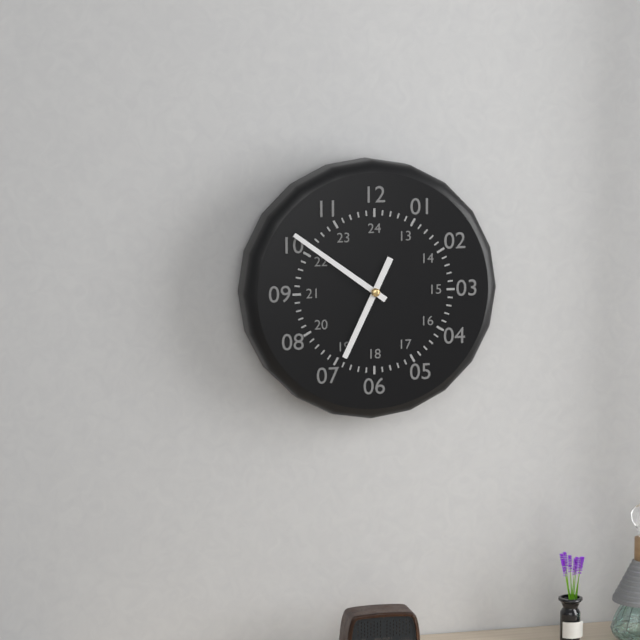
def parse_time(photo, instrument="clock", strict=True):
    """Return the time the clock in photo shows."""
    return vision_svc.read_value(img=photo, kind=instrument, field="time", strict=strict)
6:51
